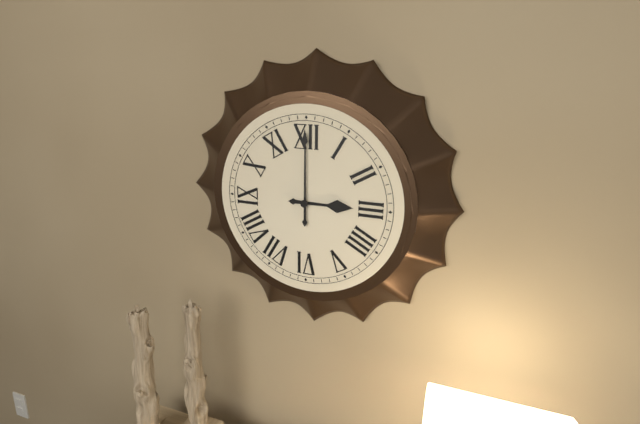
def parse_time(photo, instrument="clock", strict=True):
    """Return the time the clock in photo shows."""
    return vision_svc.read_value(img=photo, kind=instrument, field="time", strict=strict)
3:00
